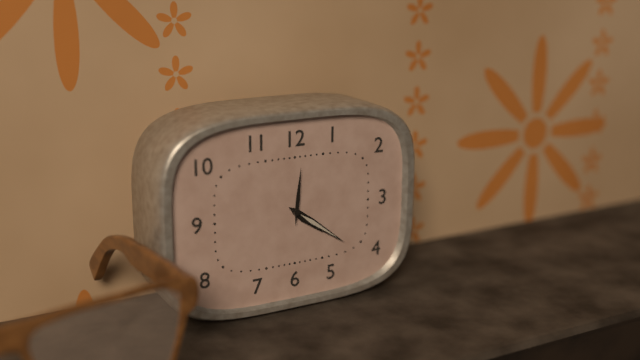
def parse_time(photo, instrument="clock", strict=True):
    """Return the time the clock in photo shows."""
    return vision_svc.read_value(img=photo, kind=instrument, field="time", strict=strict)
4:21:01
